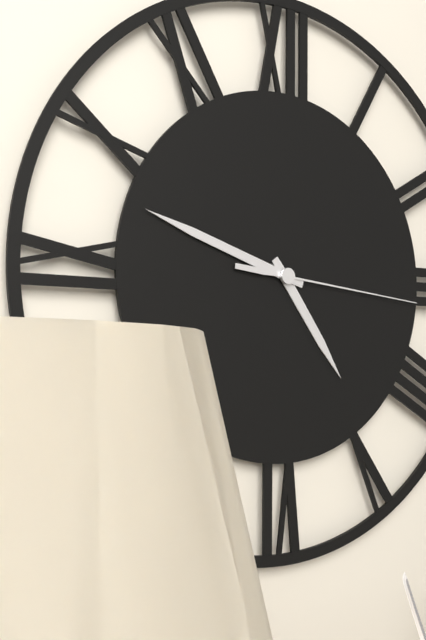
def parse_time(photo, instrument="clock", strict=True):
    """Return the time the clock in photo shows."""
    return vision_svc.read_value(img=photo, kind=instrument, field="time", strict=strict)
4:48:16
